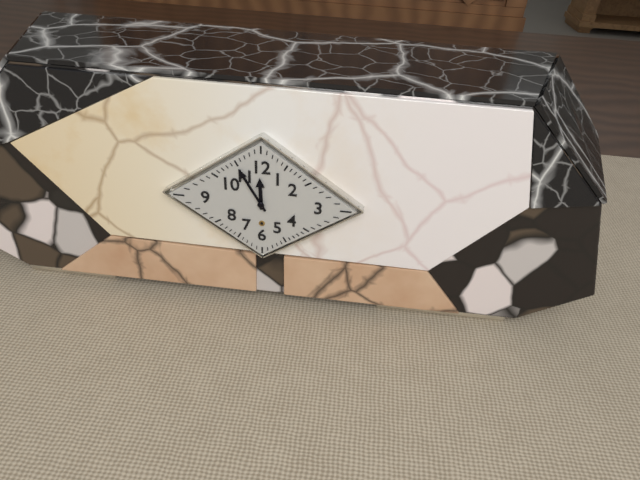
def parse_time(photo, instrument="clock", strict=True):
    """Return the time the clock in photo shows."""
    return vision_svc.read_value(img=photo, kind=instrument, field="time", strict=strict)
11:55
